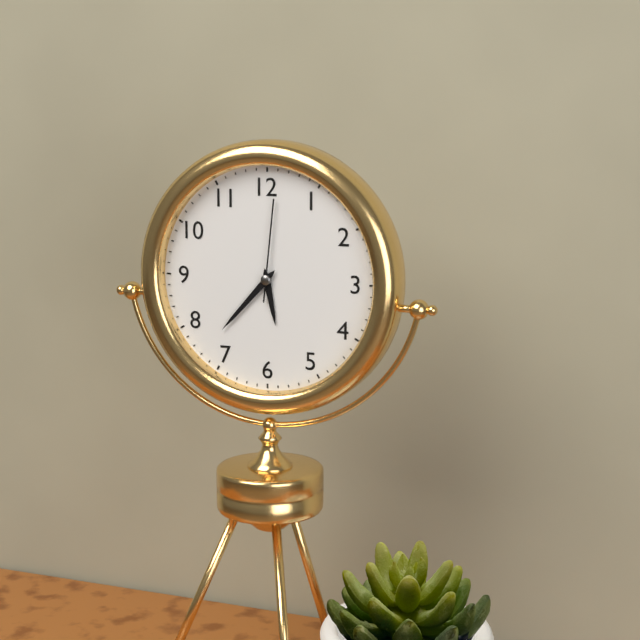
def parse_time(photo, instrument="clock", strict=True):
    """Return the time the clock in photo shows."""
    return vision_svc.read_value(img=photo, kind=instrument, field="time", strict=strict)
5:37:01
